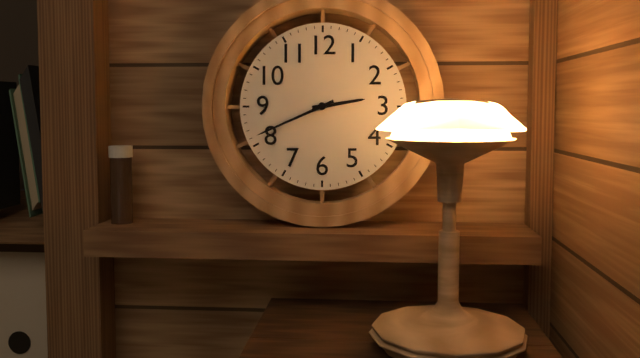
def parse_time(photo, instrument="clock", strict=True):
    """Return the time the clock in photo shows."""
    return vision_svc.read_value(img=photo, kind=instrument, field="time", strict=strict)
2:41
